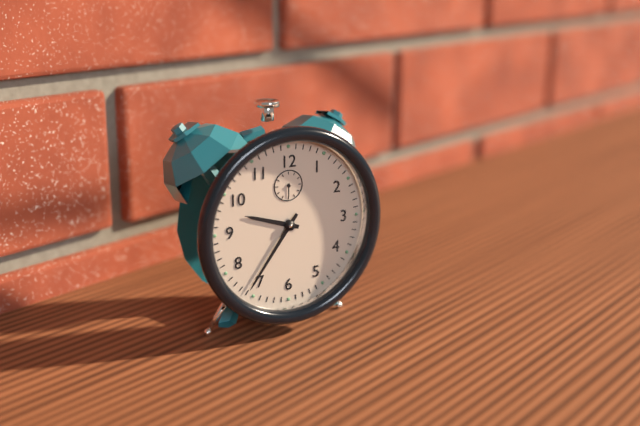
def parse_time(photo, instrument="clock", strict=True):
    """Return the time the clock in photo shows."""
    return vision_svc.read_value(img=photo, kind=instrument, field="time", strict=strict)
9:36
